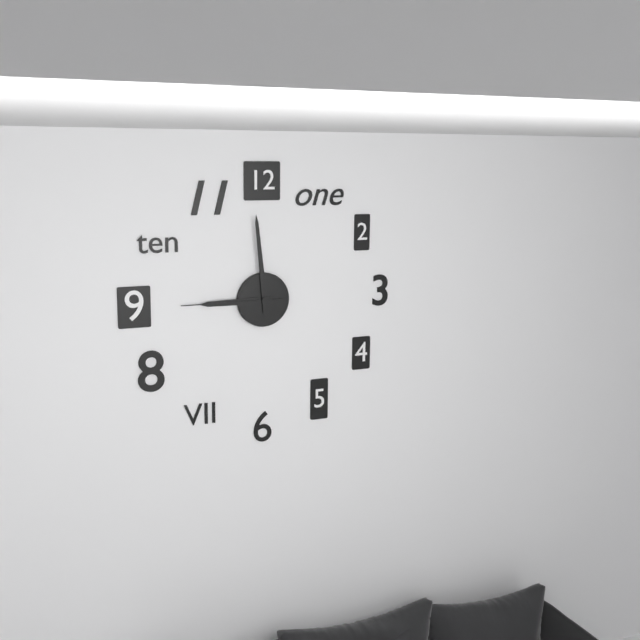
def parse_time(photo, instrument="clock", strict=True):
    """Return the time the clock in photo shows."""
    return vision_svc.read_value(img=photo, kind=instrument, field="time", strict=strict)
8:59:45
